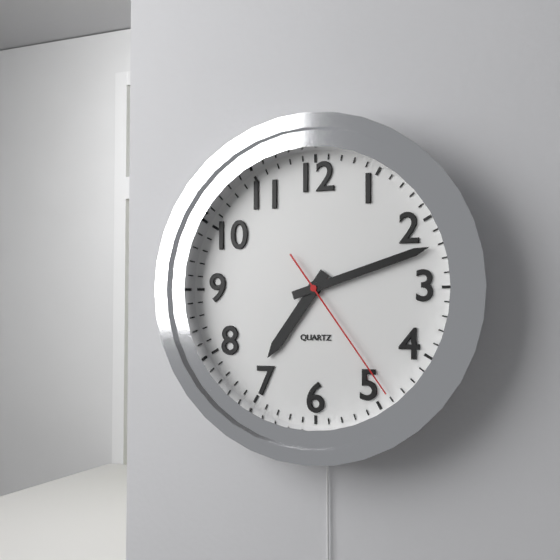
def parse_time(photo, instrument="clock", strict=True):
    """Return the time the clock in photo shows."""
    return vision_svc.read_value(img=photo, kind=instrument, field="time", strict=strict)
7:12:24
